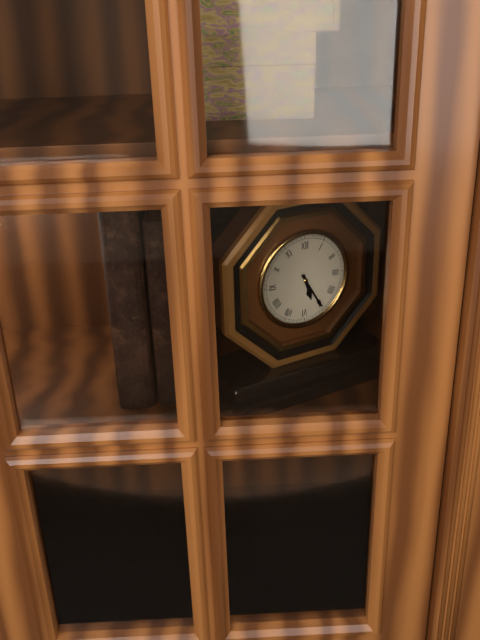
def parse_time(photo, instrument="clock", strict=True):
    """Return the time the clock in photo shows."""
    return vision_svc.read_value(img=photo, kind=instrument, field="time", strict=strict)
5:25
